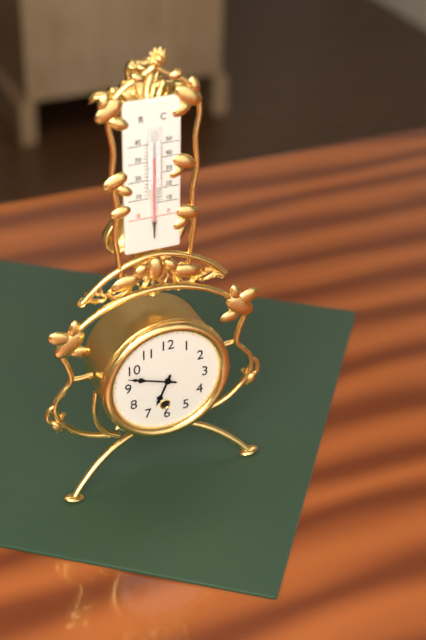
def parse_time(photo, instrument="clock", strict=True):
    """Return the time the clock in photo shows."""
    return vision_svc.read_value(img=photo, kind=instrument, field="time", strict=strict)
6:48
